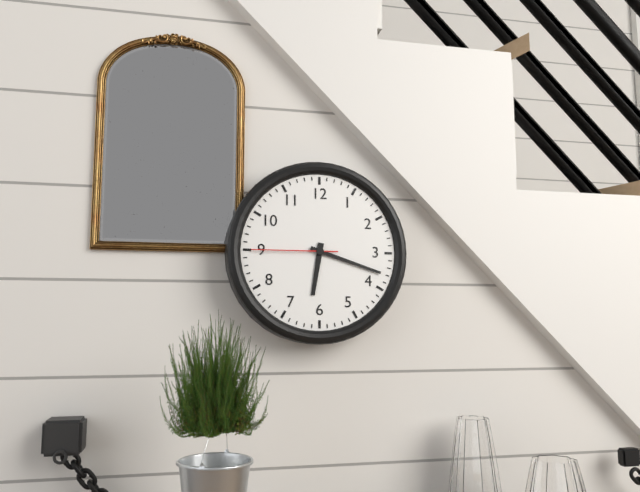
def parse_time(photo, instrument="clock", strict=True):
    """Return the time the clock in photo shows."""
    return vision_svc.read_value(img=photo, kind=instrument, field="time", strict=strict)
6:18:45
